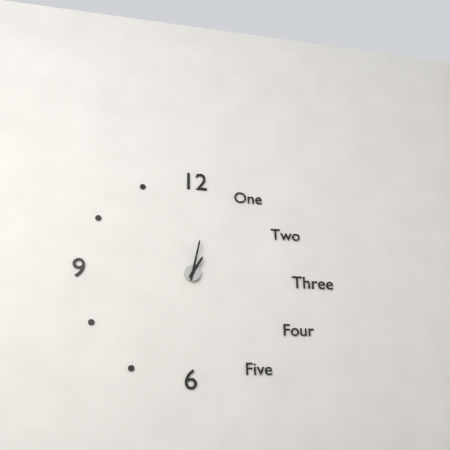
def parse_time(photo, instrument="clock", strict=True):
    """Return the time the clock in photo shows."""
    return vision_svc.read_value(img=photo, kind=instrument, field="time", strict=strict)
1:02
